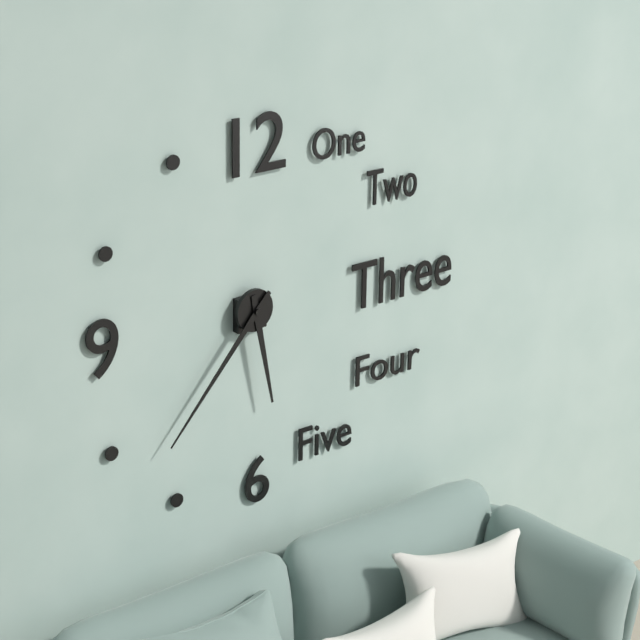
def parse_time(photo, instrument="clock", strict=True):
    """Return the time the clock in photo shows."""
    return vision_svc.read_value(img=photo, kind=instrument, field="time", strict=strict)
5:37
